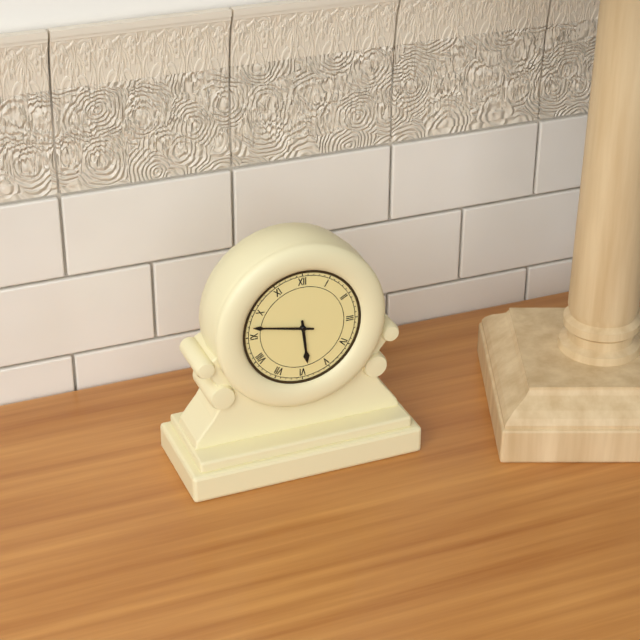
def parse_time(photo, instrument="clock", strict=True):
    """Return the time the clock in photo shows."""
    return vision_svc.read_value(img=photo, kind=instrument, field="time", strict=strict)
5:47
